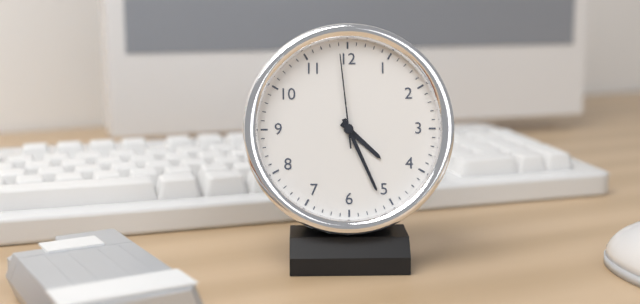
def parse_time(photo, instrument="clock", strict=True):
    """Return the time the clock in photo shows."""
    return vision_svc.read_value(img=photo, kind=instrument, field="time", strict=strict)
4:26:59
